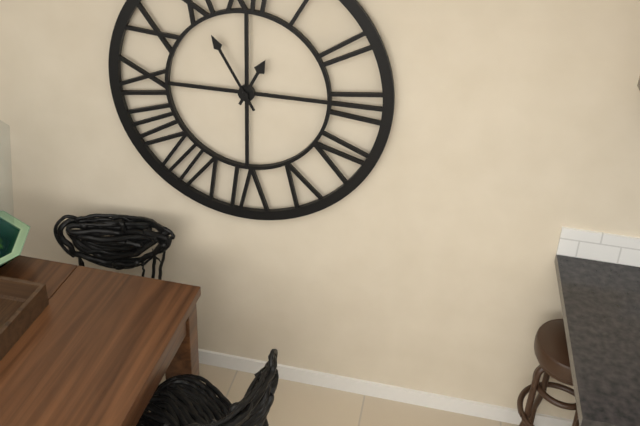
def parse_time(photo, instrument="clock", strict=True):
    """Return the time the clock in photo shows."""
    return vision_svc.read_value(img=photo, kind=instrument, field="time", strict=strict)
12:55
